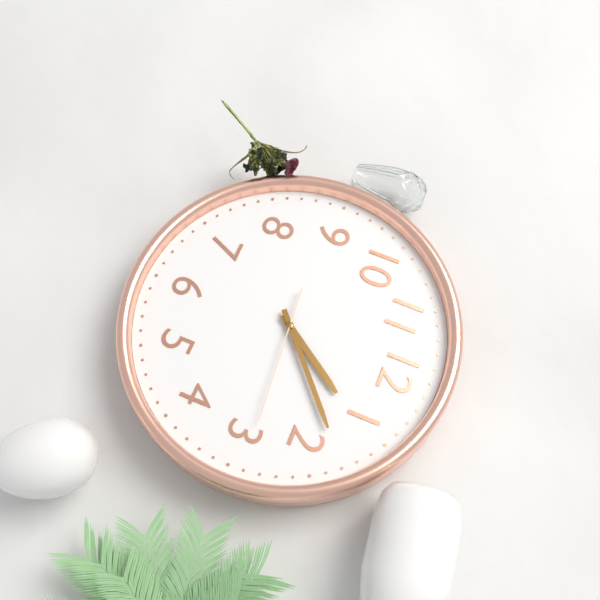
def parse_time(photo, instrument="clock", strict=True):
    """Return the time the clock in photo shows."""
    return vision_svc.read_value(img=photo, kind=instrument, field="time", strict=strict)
1:08:14
